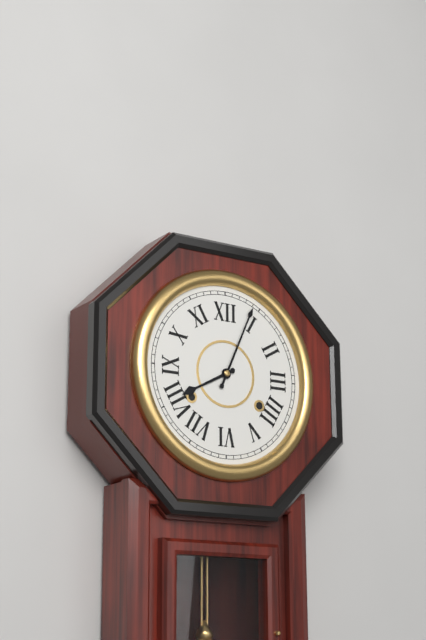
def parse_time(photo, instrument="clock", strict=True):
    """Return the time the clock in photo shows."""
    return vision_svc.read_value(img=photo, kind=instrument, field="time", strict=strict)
8:04
